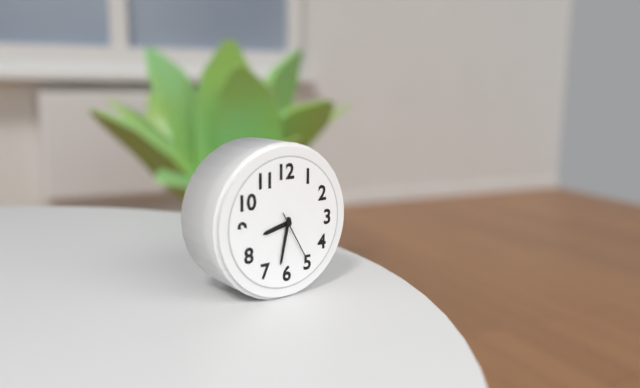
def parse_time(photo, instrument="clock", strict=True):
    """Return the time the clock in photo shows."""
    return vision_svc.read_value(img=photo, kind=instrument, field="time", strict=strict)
8:32
